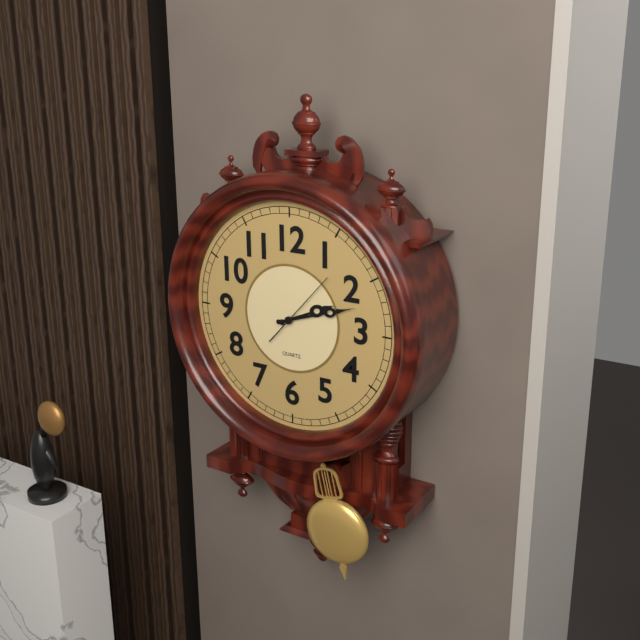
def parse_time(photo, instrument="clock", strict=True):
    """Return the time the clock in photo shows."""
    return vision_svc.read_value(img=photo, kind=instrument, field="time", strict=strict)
2:12
